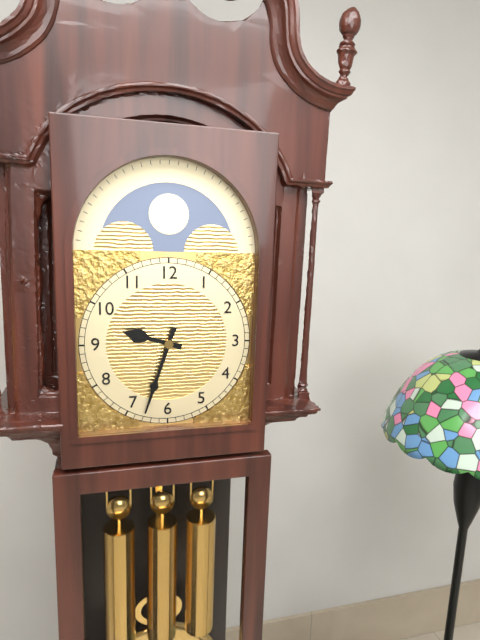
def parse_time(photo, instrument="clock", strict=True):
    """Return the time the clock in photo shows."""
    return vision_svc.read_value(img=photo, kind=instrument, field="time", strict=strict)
9:33
